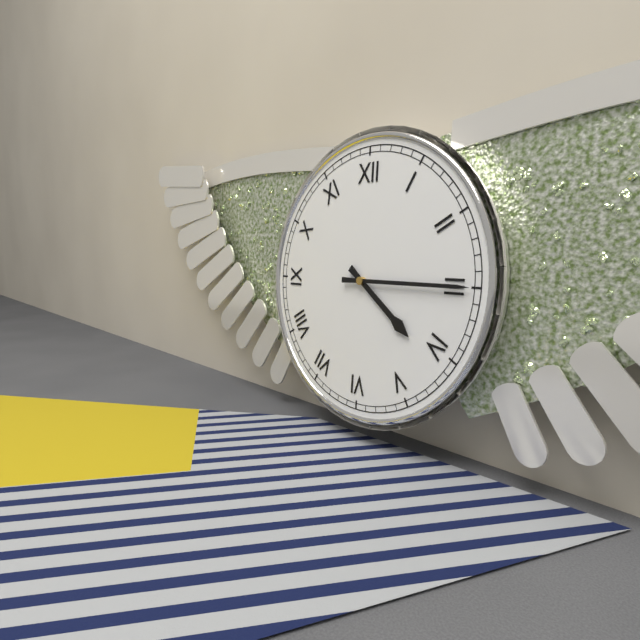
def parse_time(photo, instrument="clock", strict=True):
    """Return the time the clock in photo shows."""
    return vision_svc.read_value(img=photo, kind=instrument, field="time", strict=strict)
4:15
